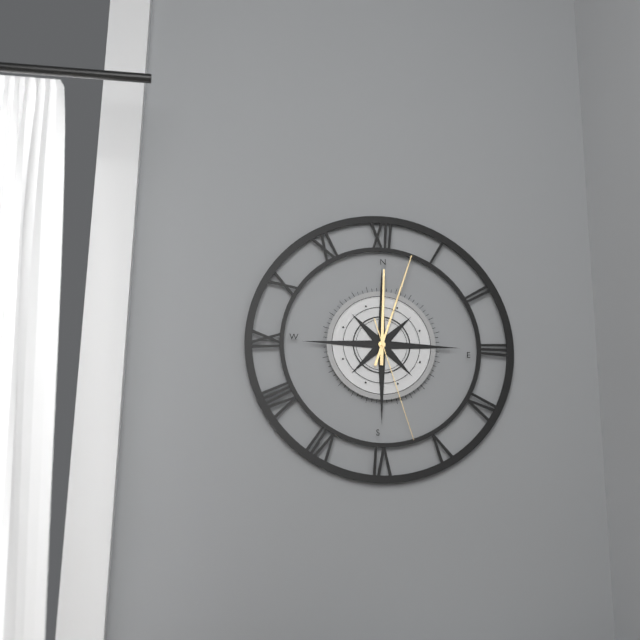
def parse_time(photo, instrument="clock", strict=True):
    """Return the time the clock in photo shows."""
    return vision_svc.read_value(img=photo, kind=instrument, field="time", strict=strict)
12:03:27
